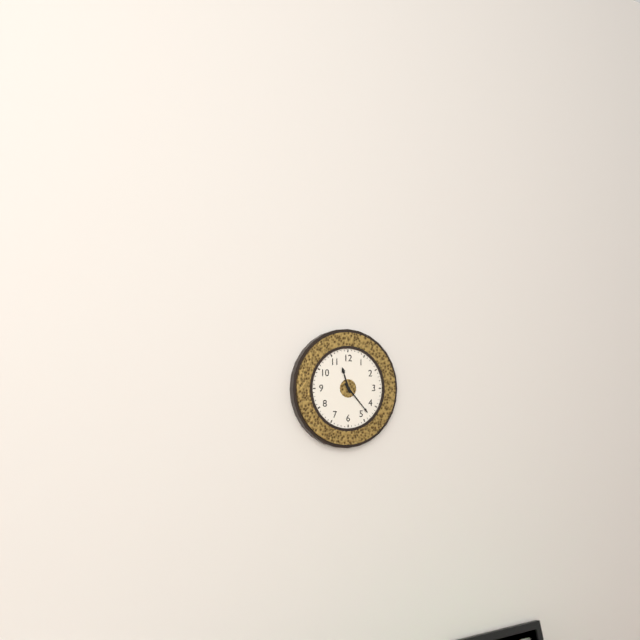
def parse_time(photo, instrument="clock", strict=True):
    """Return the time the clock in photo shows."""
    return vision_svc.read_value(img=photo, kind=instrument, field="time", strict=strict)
11:23
